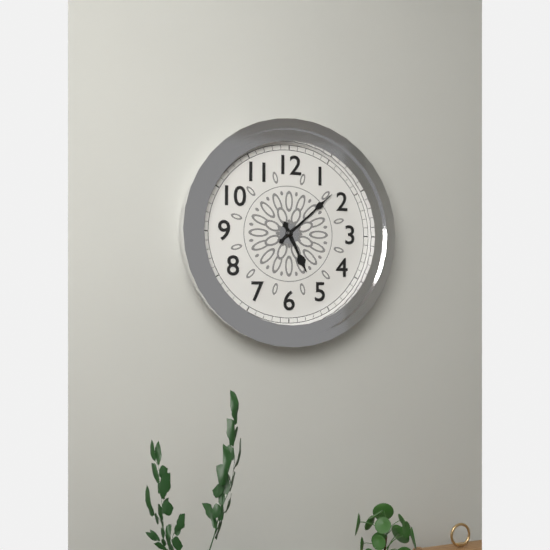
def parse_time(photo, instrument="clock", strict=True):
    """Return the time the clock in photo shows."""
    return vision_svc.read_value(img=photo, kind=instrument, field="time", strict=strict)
5:08
